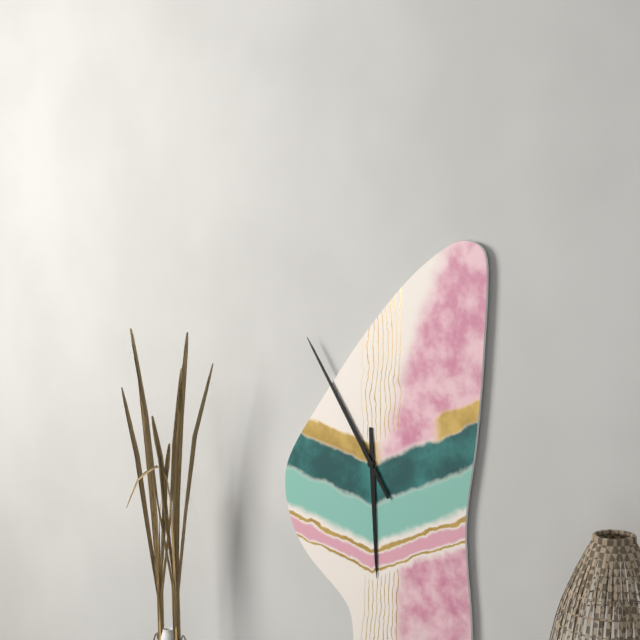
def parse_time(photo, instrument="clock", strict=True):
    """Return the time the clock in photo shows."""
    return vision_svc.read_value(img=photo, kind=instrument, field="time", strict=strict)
5:54
